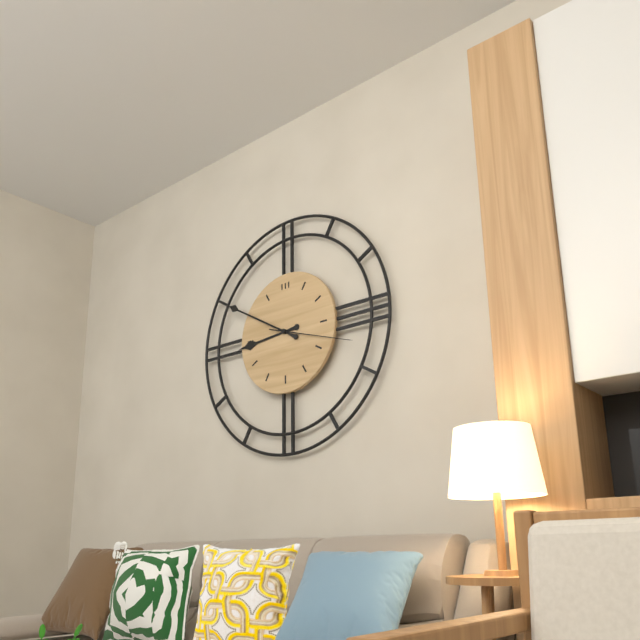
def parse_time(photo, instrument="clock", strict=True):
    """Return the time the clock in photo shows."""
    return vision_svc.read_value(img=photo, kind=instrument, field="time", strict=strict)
8:50:18
